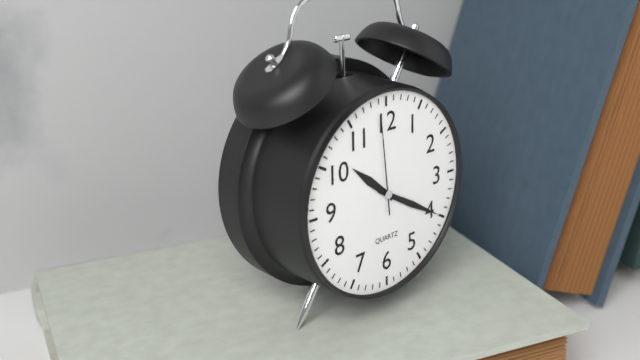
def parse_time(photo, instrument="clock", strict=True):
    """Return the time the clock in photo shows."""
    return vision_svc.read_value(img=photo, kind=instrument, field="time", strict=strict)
10:20:59
